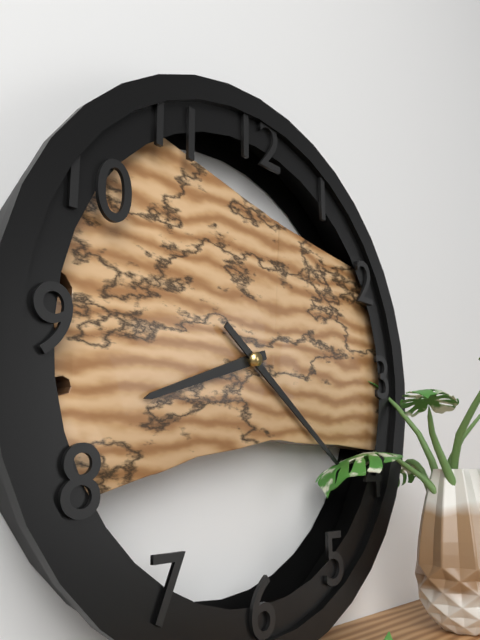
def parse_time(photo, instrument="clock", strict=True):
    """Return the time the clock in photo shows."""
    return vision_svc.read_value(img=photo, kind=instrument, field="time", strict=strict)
8:21
